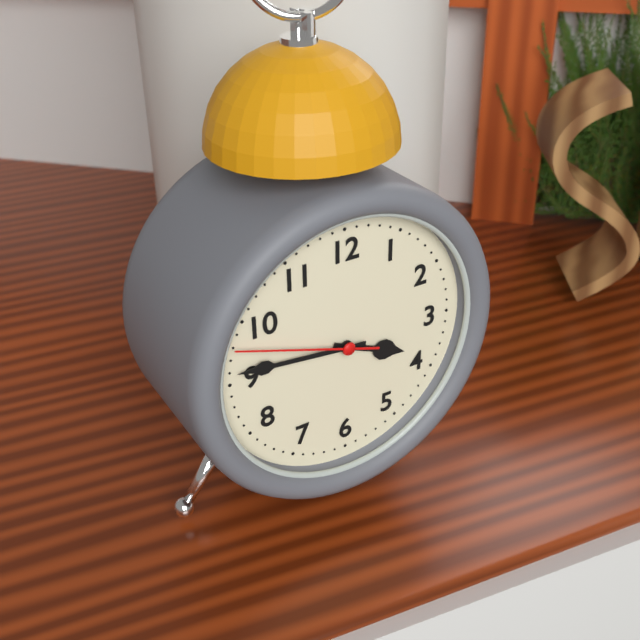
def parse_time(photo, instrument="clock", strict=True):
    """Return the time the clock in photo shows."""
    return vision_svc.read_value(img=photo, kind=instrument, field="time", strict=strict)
3:46:48
